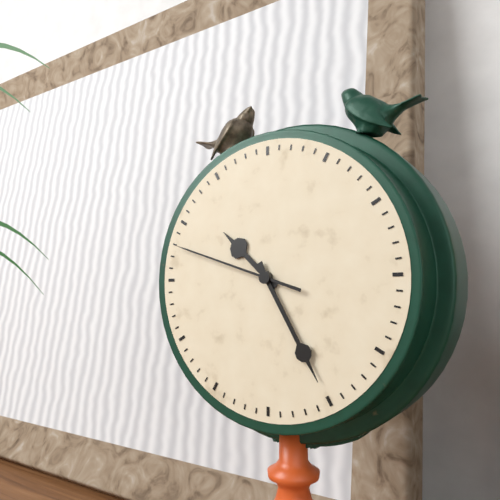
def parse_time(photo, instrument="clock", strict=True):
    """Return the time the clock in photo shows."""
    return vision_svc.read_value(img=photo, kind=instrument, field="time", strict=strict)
10:25:48
